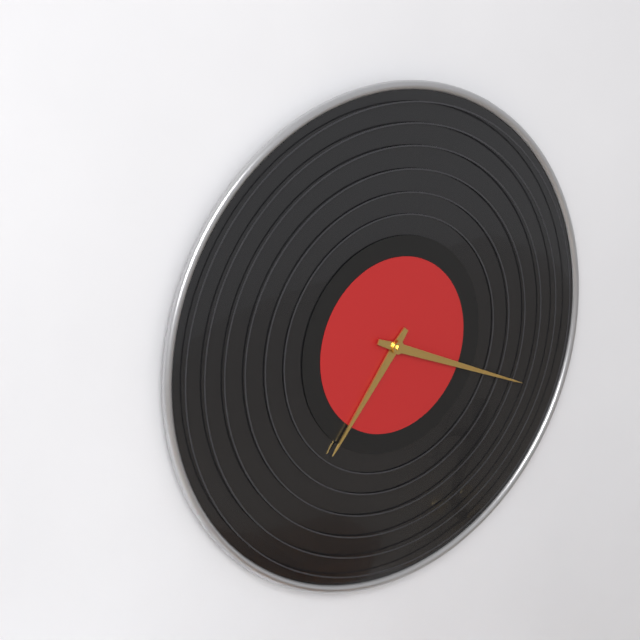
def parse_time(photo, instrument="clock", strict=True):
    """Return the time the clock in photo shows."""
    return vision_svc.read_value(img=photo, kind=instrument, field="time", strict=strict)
7:19
